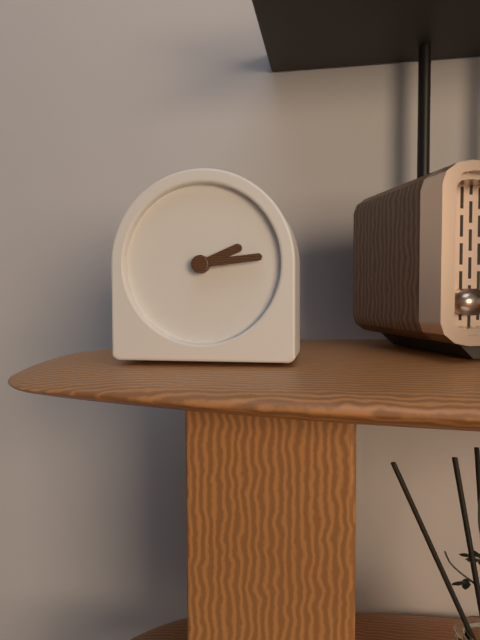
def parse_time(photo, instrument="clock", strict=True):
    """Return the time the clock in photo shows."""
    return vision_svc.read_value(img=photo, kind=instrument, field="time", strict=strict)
2:14
